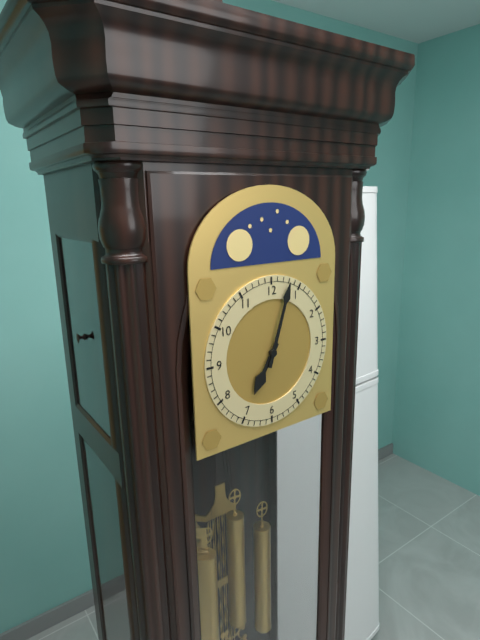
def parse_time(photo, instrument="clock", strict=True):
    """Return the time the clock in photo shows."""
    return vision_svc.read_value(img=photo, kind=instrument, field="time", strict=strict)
7:03
